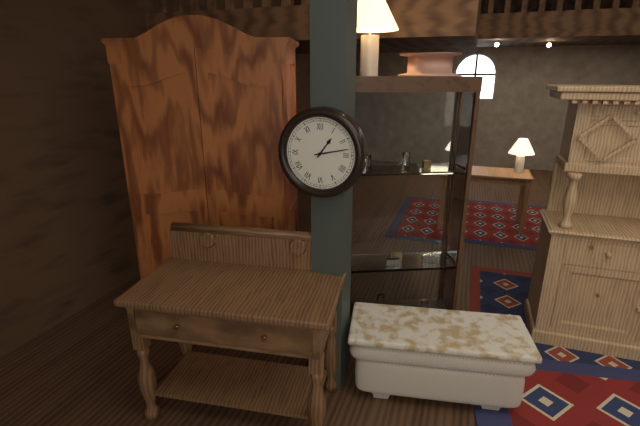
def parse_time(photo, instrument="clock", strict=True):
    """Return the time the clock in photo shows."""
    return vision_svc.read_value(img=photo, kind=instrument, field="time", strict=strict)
1:13
